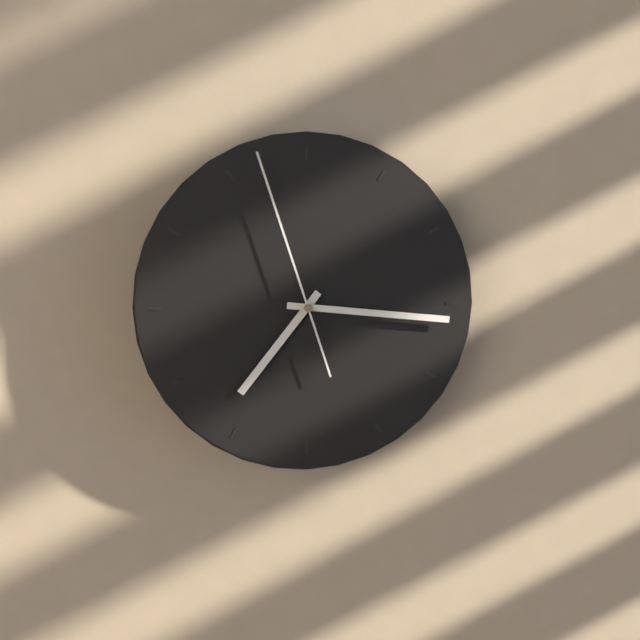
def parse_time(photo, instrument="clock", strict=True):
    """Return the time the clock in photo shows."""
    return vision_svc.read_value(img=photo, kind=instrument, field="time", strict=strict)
7:16:57
